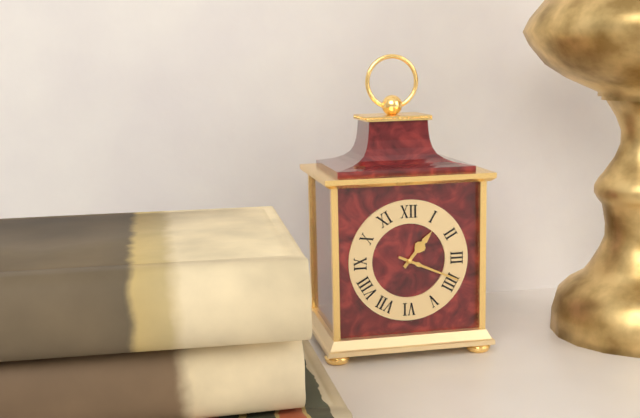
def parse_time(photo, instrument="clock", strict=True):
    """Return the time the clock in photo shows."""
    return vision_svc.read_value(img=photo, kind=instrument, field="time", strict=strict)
1:19
